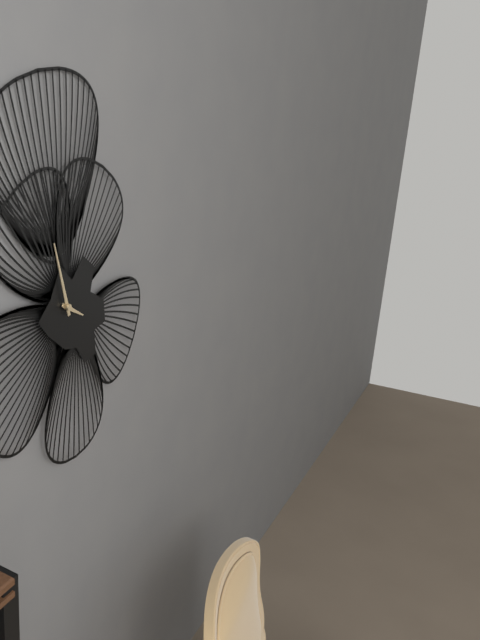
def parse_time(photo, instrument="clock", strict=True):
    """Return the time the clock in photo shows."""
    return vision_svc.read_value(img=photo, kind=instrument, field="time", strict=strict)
3:57
